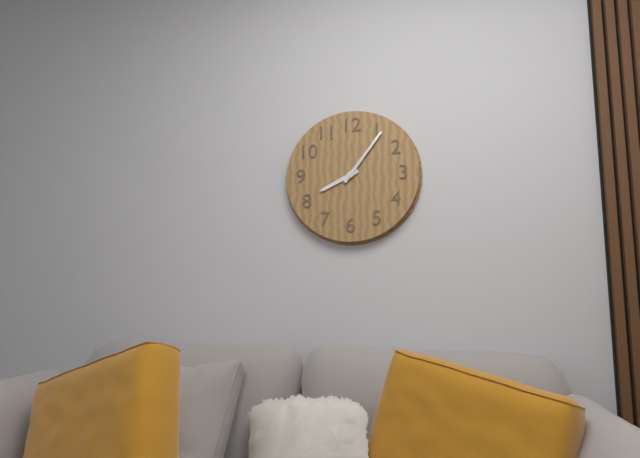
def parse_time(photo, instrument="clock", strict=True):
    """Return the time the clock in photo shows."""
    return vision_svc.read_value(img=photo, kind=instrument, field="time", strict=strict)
8:06
